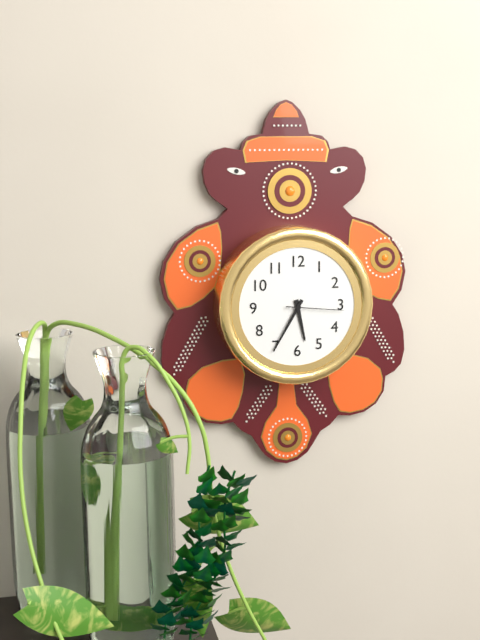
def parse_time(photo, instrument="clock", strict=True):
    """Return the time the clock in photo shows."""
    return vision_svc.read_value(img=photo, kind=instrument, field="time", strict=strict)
5:35:16
